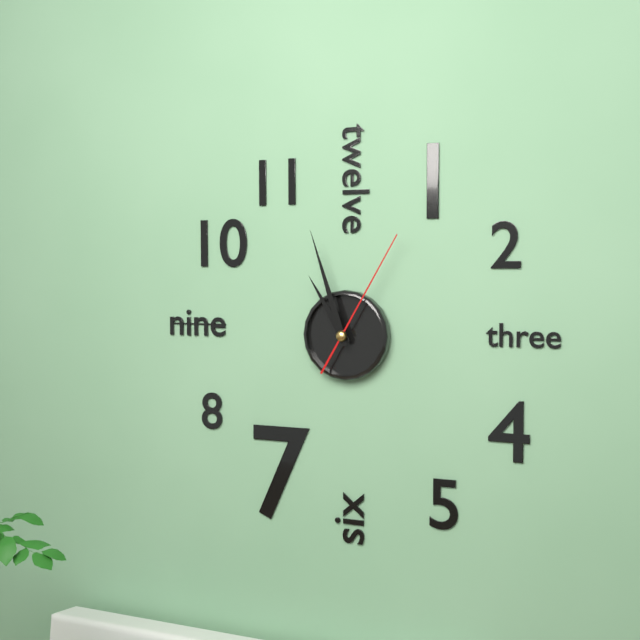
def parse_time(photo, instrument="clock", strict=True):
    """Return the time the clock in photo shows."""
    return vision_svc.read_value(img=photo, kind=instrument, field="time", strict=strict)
10:57:05
